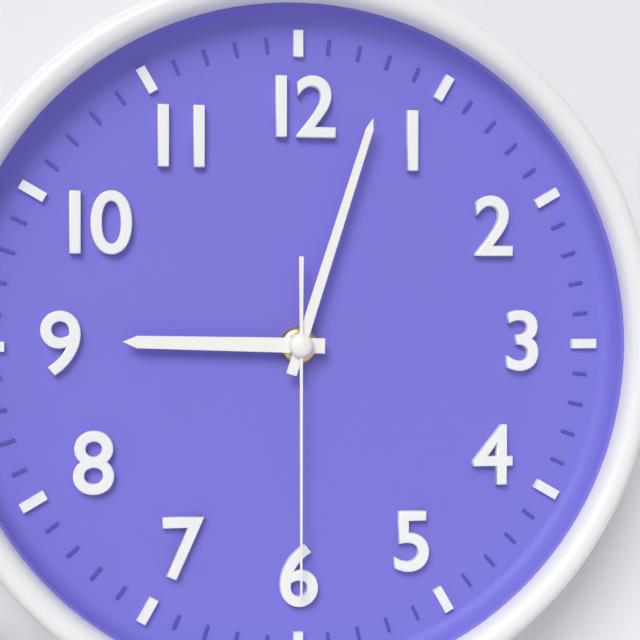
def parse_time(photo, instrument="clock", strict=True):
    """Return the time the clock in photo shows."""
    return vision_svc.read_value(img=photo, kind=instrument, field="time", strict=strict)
9:03:30
